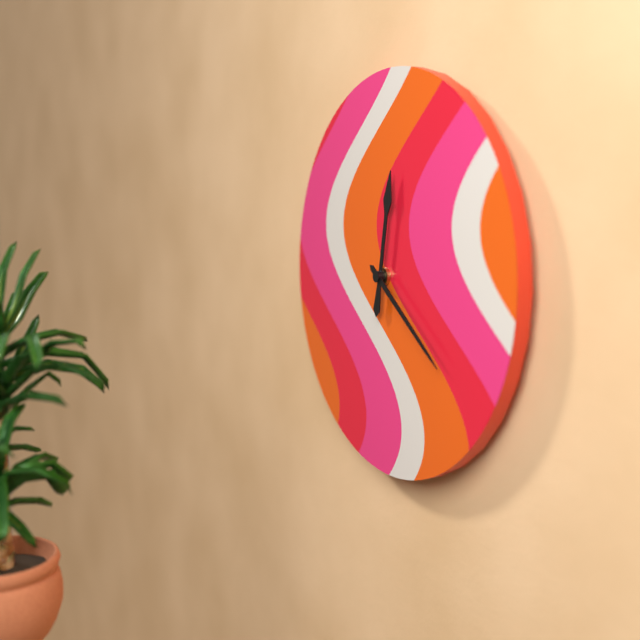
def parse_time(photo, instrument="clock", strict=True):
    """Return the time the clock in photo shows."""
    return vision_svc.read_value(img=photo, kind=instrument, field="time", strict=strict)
12:21
